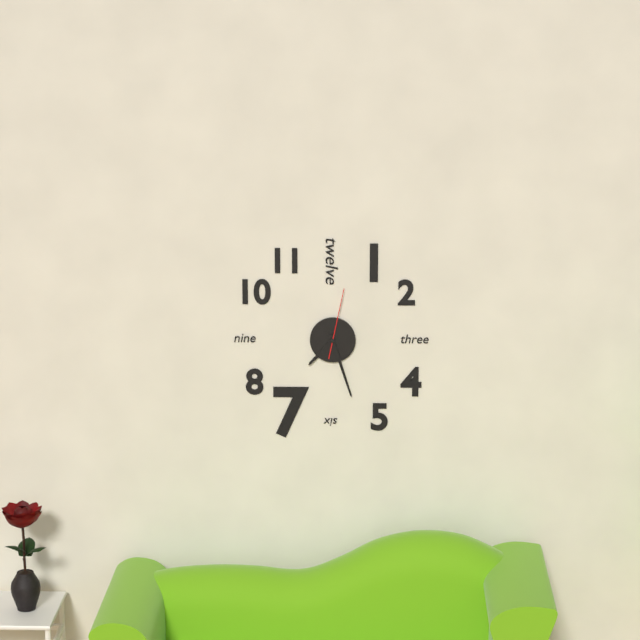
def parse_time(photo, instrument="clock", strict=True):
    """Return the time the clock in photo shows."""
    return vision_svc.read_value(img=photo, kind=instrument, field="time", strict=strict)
7:27:02
